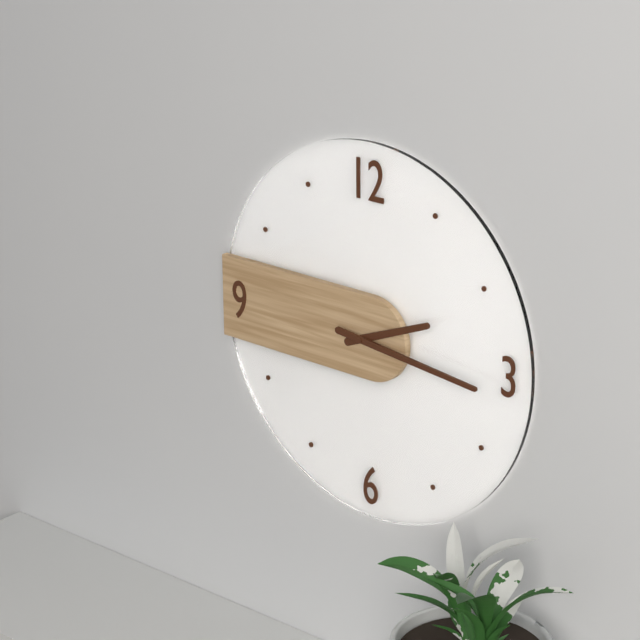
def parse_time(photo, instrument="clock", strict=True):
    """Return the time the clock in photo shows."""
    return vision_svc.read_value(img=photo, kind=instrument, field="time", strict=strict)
2:16
